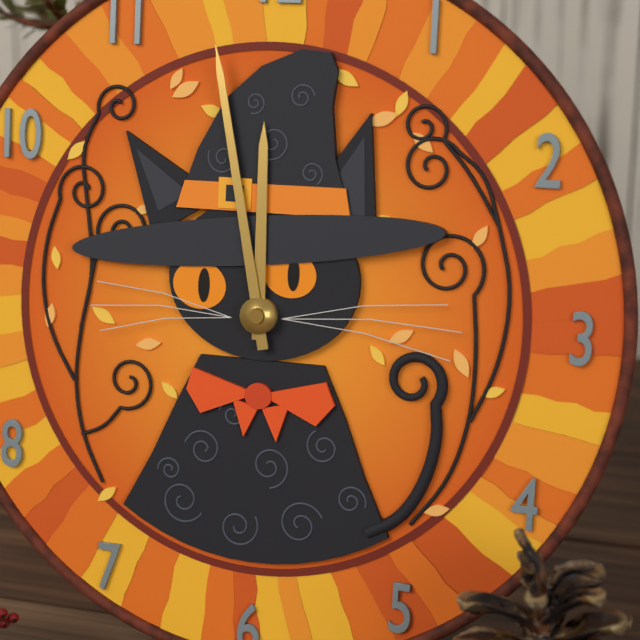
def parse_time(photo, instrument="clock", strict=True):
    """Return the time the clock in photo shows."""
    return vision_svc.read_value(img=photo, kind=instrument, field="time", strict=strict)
11:58
